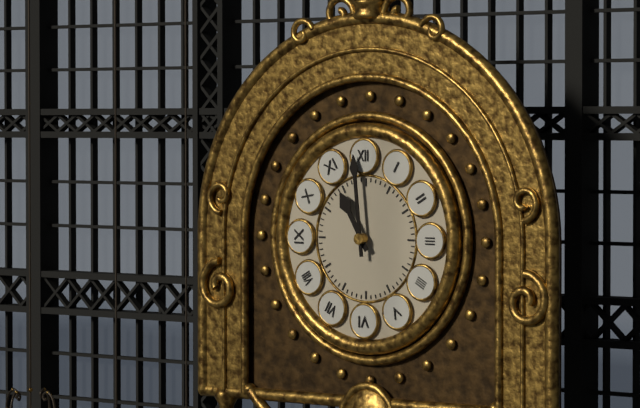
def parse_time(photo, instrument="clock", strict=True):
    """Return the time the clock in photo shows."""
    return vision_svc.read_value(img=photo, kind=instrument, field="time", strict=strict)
10:59
